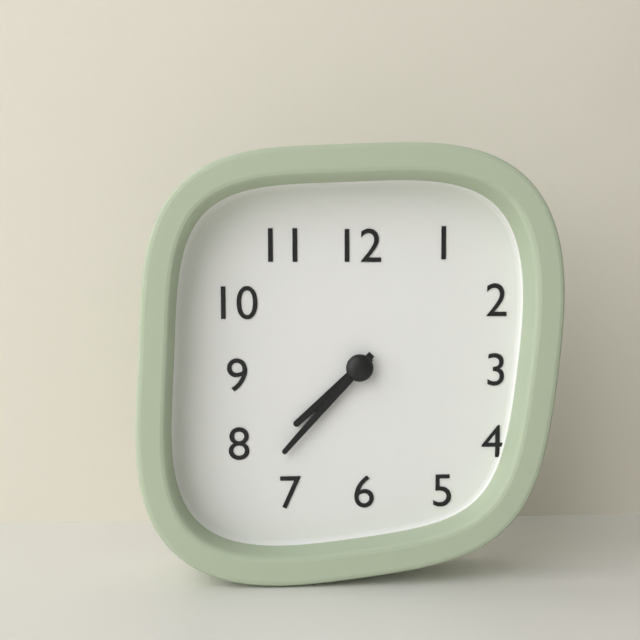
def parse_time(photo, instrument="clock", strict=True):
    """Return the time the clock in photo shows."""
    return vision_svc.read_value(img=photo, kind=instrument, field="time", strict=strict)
7:37
